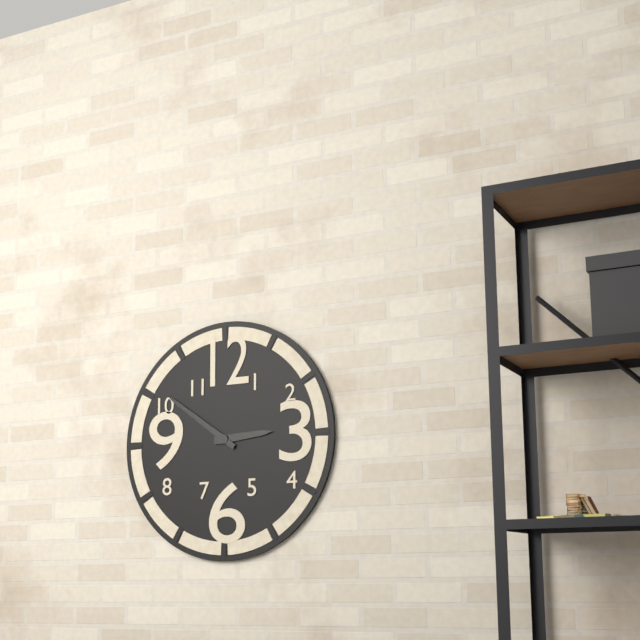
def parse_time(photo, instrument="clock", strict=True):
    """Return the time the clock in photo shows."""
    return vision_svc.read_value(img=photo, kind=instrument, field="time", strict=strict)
2:51
